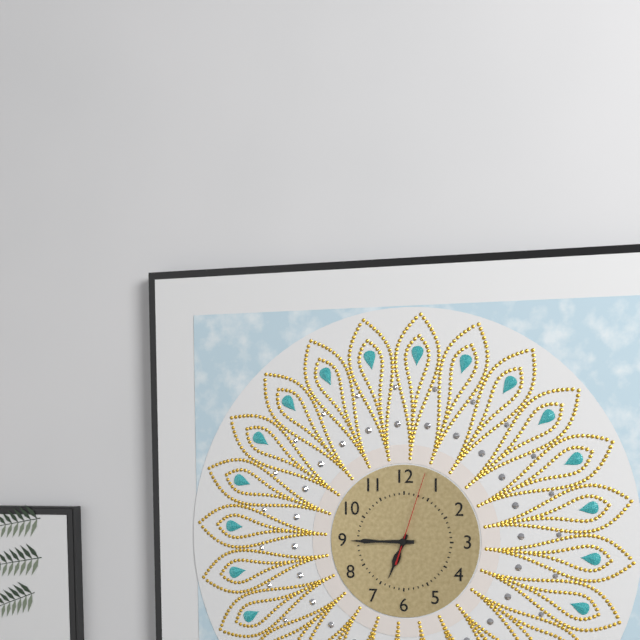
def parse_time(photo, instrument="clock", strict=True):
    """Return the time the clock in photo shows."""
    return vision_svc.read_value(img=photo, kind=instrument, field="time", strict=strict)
6:45:03
